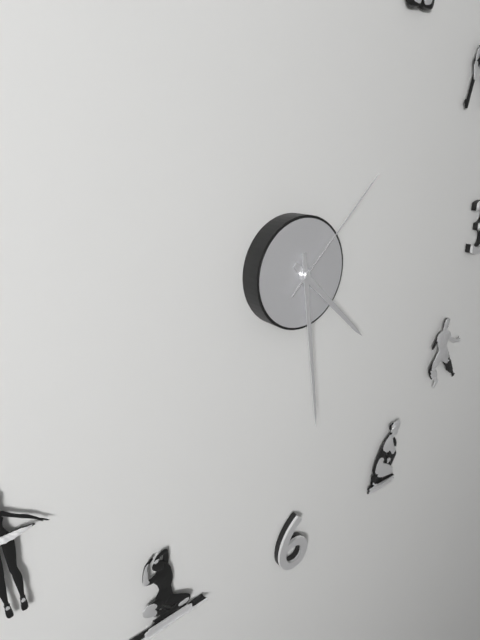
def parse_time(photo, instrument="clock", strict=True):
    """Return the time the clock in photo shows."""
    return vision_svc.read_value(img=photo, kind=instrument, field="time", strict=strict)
4:29:08
